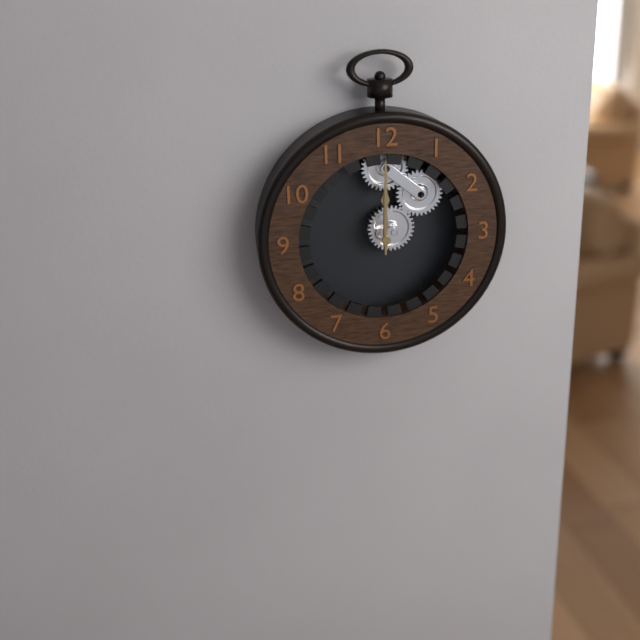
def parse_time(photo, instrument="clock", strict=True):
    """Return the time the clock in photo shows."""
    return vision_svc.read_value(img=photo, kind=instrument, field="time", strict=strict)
12:00
